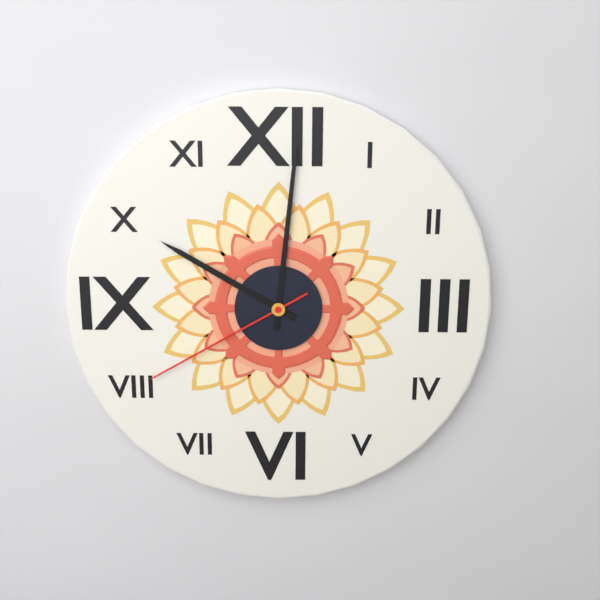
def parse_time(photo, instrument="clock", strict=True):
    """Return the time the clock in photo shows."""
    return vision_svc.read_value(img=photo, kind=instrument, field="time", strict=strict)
10:01:40
